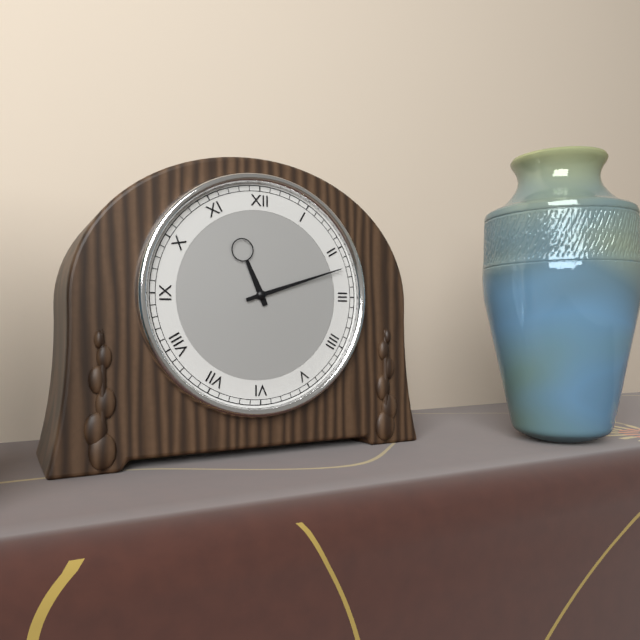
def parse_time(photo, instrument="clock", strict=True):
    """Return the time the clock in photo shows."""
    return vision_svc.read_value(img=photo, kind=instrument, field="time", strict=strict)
11:12
